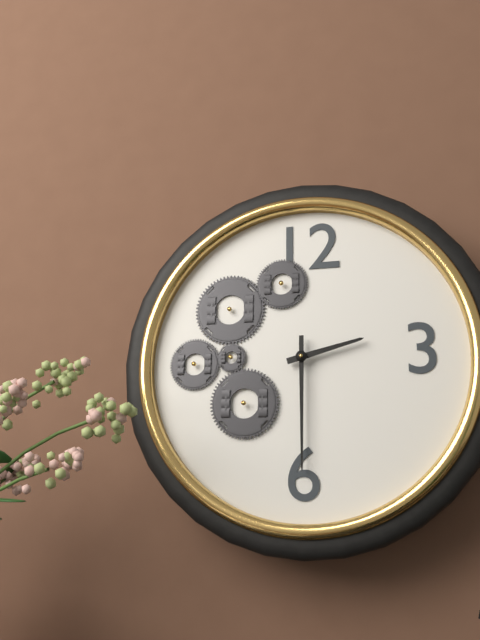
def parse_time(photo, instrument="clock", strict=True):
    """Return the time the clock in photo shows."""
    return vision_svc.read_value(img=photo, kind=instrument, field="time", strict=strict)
2:30
